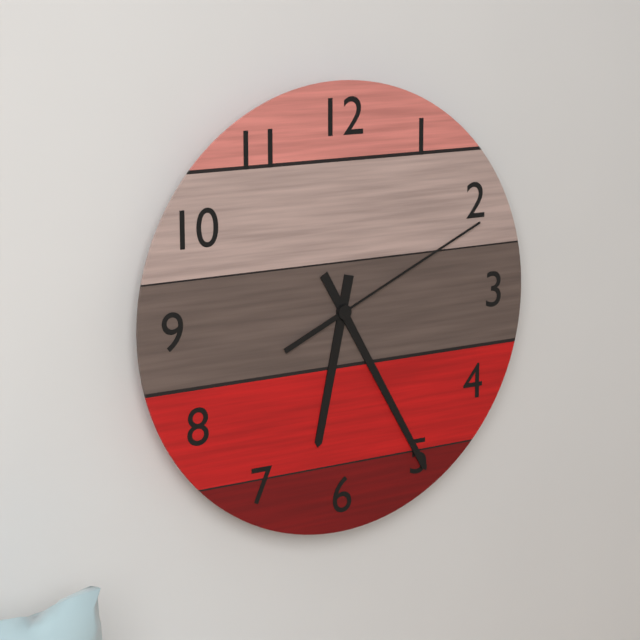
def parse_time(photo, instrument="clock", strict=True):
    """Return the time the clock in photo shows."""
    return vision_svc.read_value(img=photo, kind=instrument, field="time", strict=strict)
6:25:11
